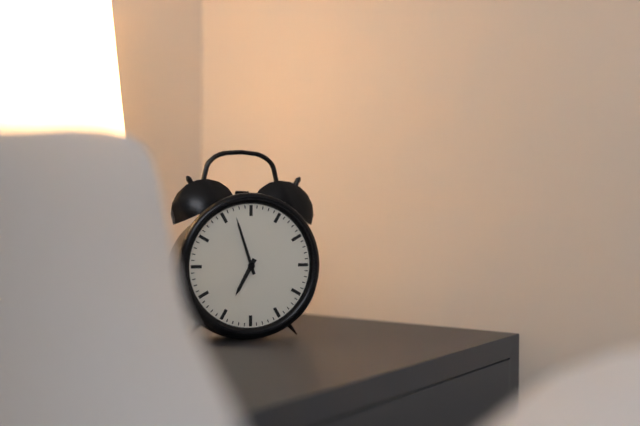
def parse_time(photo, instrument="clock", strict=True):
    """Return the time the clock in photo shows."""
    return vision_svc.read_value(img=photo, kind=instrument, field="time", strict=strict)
6:57
